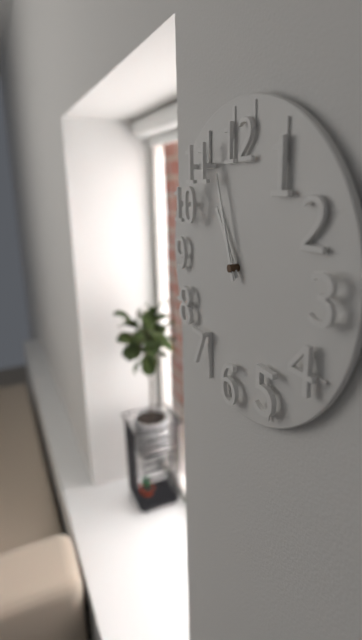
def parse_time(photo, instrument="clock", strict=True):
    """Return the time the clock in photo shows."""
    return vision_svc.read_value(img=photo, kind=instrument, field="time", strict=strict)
10:57
